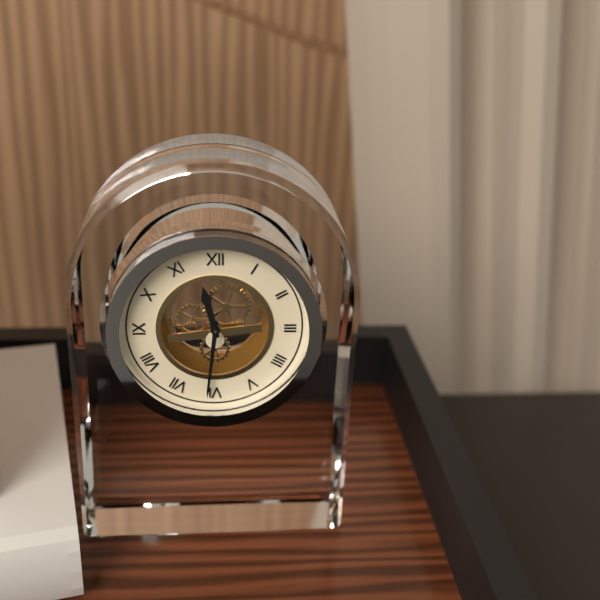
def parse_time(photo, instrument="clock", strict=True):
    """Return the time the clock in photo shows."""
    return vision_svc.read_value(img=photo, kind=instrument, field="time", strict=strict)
11:31
